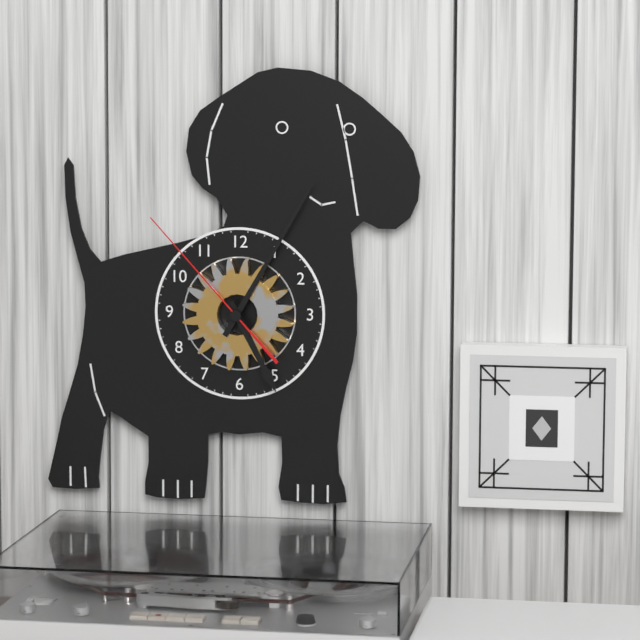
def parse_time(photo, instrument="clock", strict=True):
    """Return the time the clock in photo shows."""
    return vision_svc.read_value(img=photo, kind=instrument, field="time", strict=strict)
5:05:53
